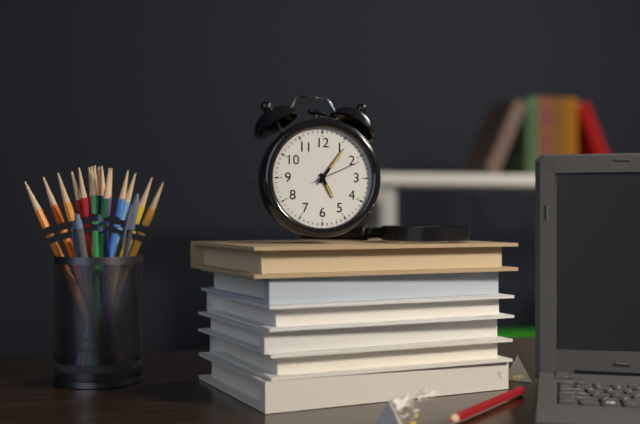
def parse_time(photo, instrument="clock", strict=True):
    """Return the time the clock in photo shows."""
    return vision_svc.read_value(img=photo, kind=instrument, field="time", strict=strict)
5:06:11
